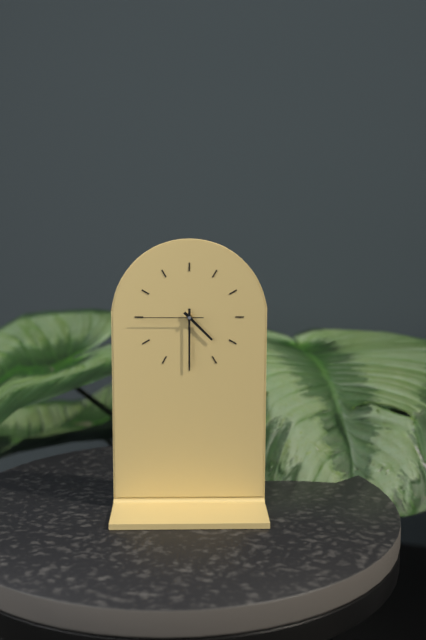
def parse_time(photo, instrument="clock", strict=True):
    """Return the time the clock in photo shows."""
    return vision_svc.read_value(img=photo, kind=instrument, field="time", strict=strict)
4:30:45
